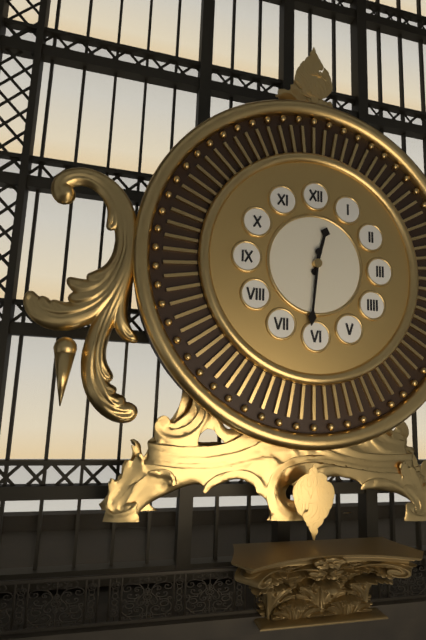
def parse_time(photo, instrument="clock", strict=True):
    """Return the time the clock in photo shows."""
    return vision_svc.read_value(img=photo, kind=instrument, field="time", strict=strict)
12:31
